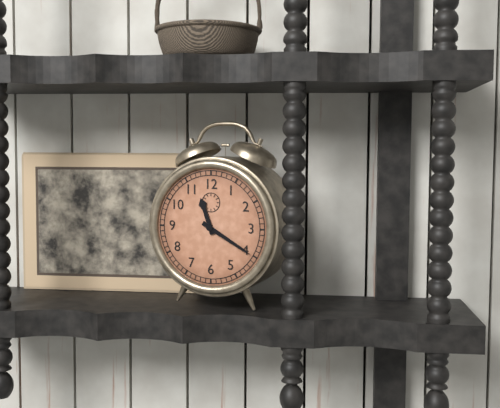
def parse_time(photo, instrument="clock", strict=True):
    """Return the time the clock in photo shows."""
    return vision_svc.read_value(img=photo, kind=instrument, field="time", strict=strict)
11:20
